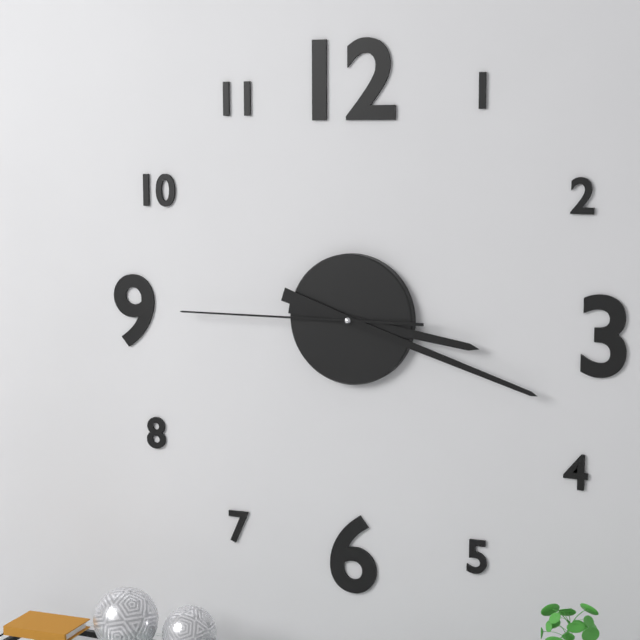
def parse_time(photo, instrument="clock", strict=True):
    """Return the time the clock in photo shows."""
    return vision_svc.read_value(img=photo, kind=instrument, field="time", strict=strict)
3:18:45
